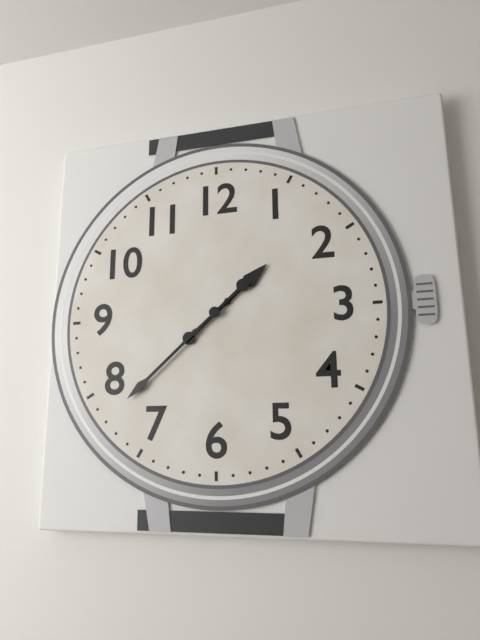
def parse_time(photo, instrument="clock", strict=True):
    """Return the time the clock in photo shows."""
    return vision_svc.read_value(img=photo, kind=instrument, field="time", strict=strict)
1:38
